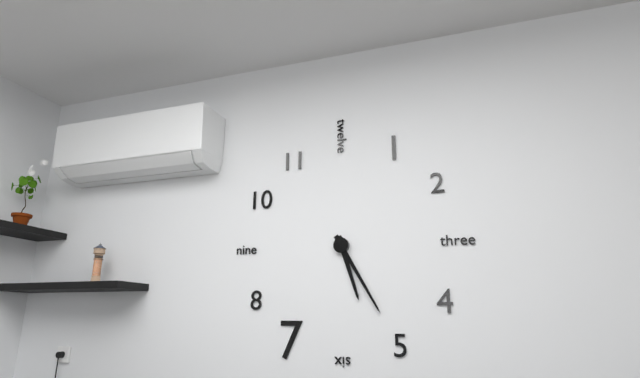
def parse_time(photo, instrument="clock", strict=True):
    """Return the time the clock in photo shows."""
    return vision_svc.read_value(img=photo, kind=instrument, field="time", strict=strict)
5:25
